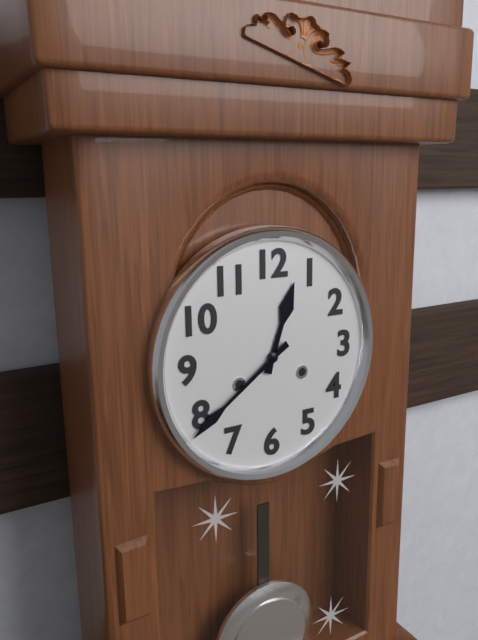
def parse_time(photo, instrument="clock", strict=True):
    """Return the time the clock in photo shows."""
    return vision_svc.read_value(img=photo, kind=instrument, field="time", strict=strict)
12:39
